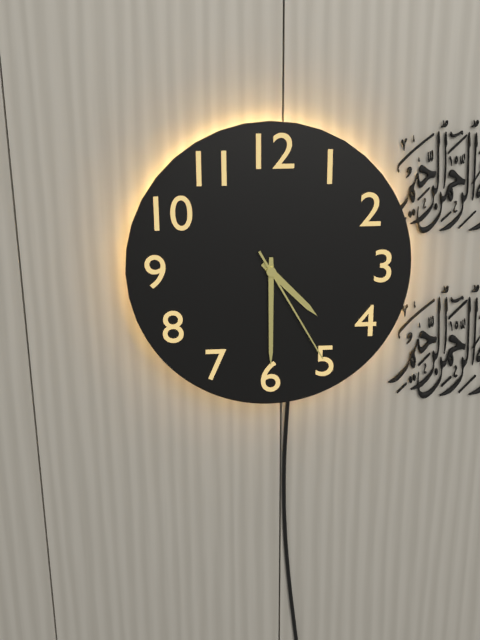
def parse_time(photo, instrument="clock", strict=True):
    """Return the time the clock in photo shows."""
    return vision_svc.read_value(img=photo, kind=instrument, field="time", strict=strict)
4:30:25
